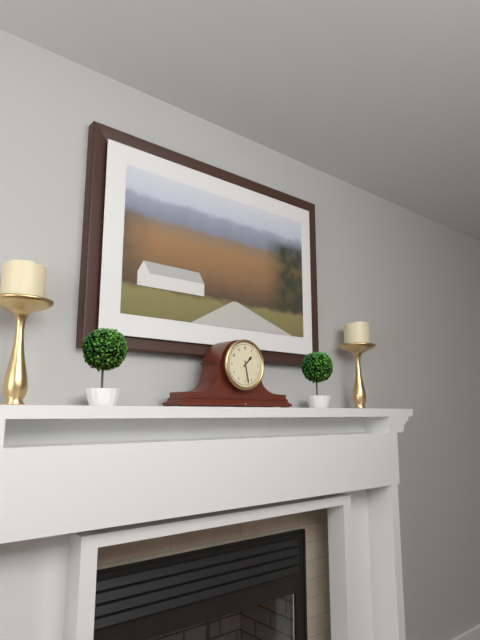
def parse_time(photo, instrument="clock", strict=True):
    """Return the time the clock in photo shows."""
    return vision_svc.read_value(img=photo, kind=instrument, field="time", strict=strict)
1:28
